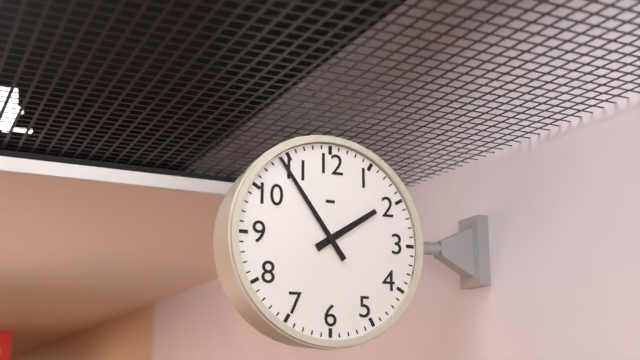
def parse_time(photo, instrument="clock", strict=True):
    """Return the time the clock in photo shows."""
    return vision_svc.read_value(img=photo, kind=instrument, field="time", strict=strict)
1:54
